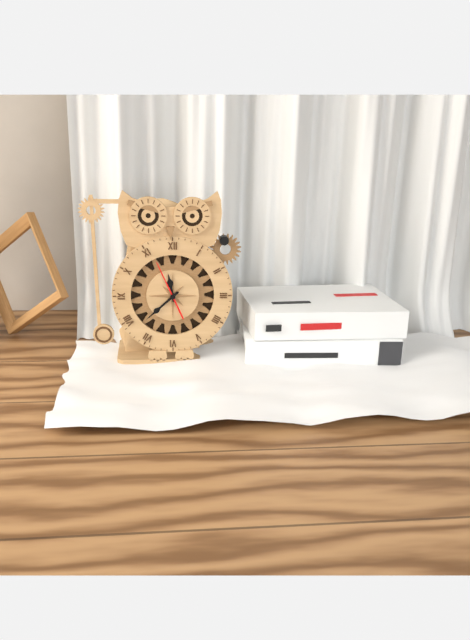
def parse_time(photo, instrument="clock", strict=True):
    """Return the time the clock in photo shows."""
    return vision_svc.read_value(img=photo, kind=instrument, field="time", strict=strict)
11:38
